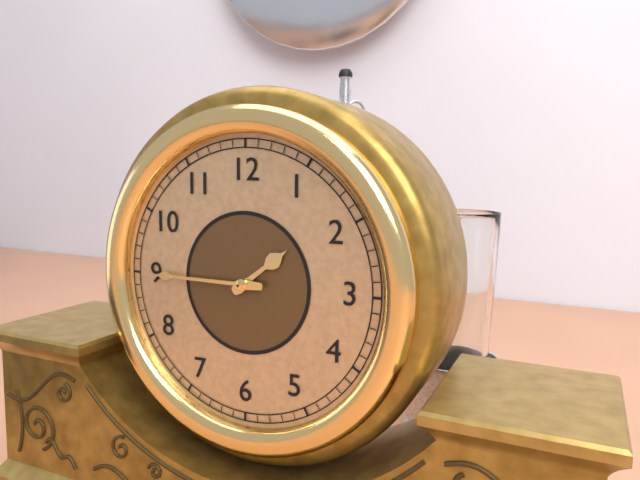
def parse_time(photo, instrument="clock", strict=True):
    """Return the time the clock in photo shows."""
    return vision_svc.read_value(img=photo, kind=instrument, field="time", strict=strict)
1:45
